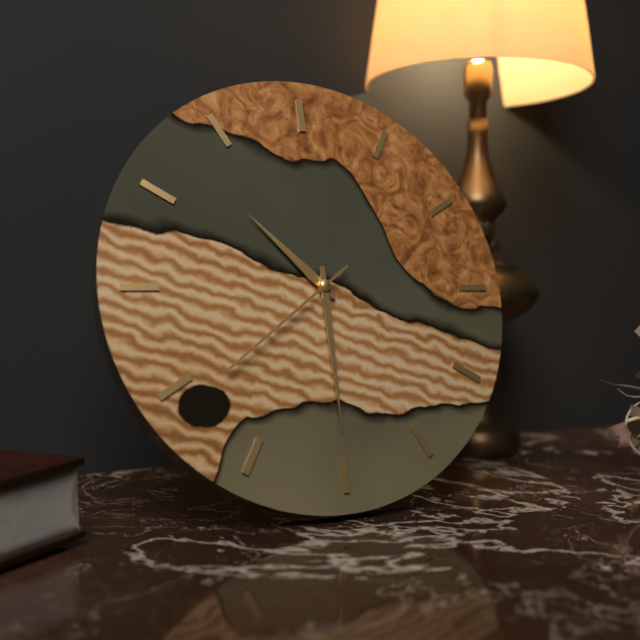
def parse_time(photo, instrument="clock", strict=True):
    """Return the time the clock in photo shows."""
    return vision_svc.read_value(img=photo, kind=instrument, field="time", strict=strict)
10:30:39
